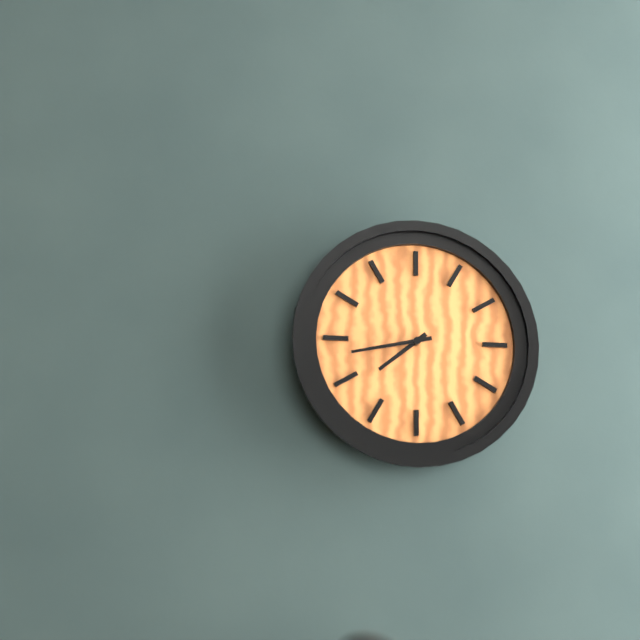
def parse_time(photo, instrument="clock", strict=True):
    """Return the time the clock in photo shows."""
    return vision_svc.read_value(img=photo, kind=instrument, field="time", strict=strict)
7:43
